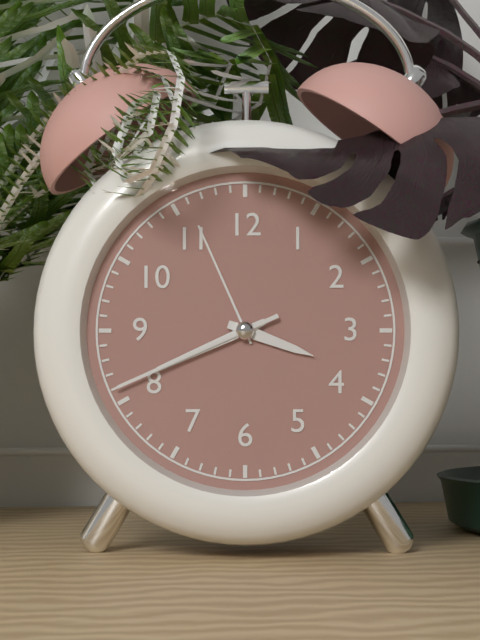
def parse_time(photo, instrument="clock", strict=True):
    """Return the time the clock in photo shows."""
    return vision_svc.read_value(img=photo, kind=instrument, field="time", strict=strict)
3:41:41
